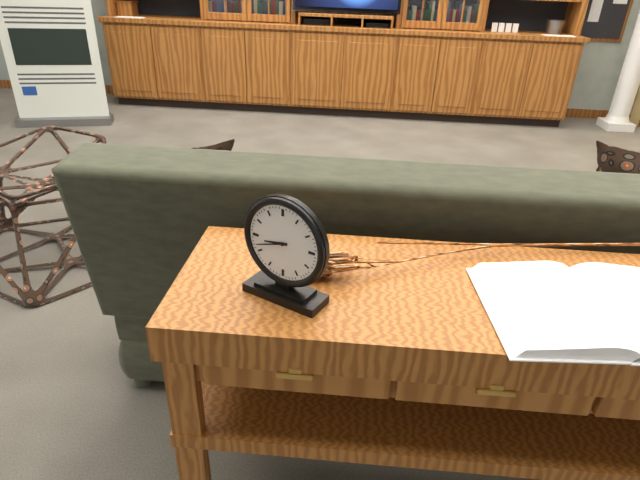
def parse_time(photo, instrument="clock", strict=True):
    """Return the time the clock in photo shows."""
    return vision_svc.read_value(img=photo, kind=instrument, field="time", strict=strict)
8:42
